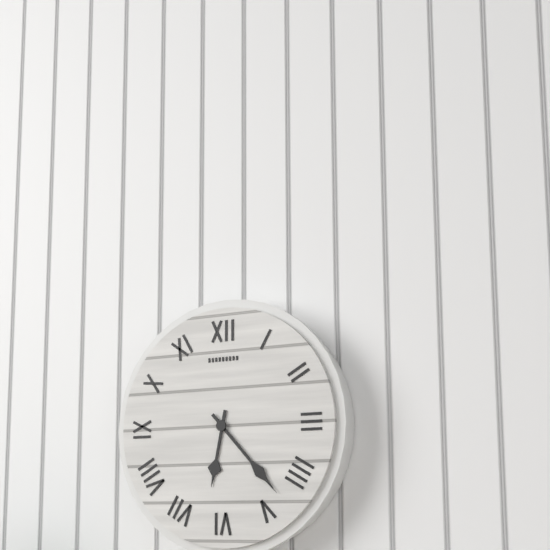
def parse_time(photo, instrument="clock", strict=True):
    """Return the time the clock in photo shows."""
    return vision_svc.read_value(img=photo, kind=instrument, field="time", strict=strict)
6:23
